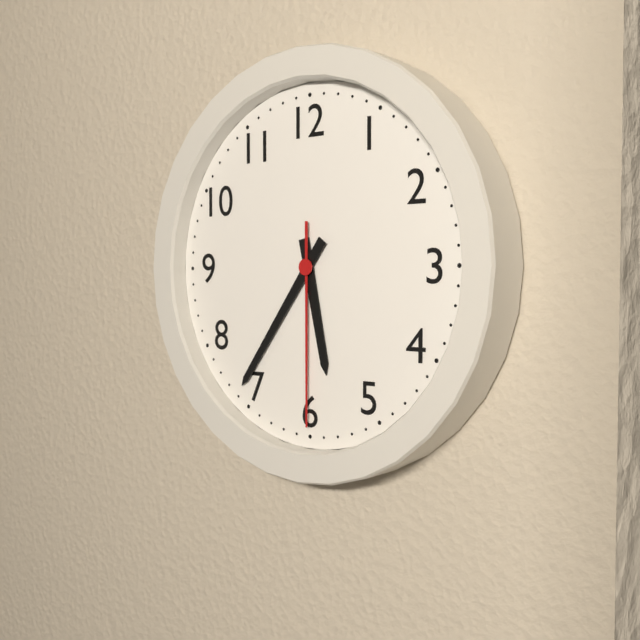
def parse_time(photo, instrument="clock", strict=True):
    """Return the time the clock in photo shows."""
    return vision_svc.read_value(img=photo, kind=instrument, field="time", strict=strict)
5:36:30
